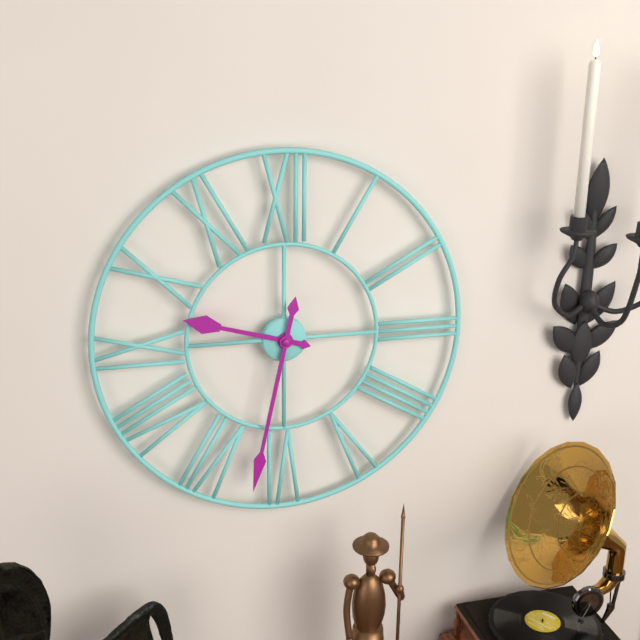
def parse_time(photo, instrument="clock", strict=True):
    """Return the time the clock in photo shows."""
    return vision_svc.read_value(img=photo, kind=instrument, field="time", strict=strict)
9:32
